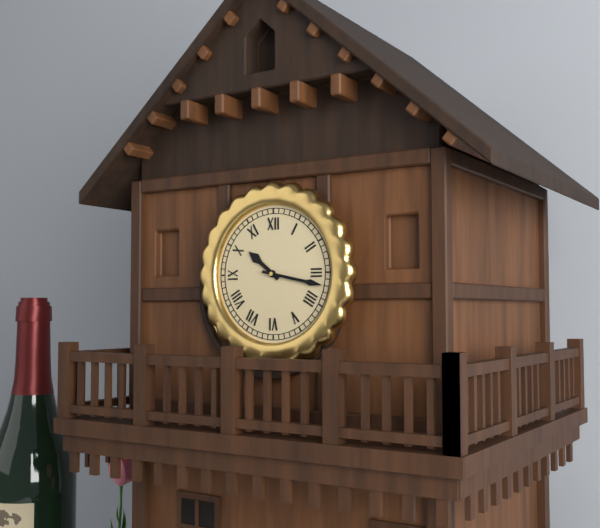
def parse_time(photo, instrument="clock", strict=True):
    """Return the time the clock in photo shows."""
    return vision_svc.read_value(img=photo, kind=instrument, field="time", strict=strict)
10:17
